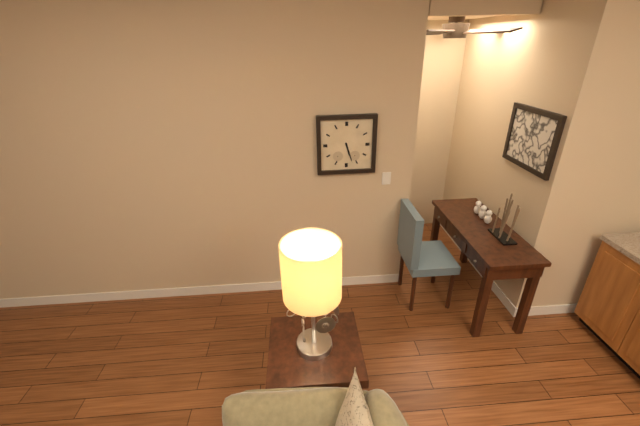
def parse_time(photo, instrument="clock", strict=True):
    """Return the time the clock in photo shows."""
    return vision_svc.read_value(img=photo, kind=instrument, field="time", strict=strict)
5:27
